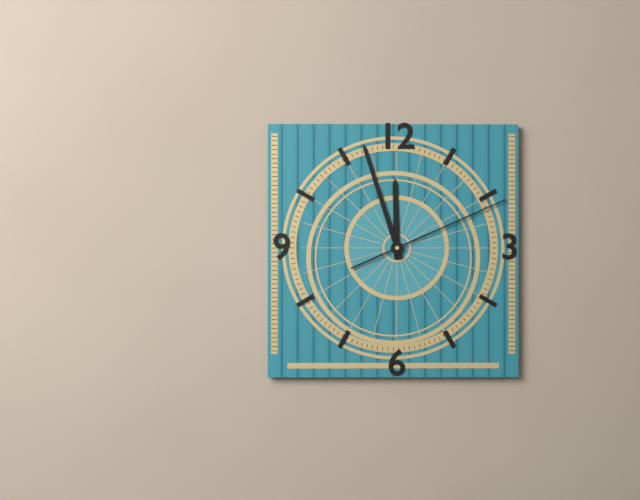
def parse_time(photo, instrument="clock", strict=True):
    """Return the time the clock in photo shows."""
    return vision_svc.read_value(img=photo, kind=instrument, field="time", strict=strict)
11:57:11
